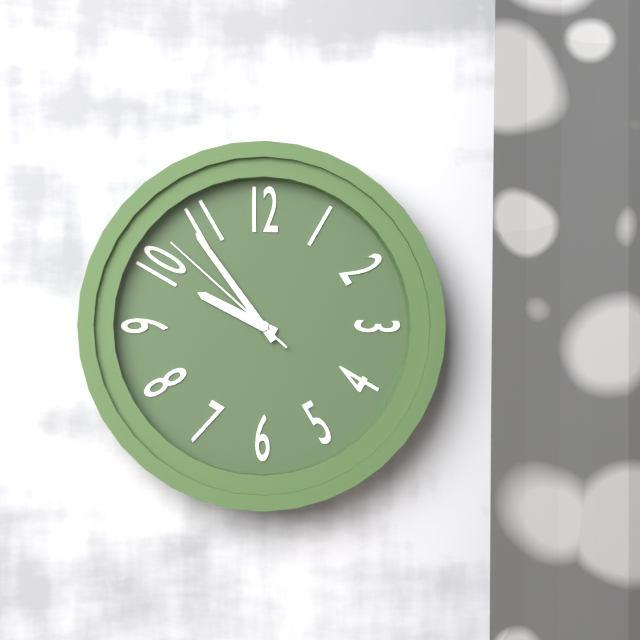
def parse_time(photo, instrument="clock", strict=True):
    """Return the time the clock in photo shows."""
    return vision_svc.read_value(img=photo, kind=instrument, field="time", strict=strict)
9:54:52
